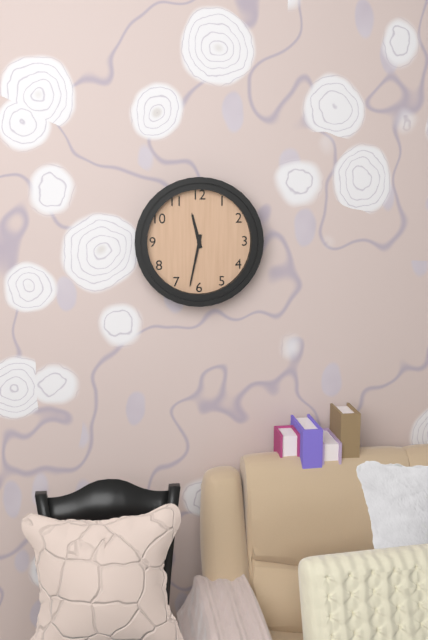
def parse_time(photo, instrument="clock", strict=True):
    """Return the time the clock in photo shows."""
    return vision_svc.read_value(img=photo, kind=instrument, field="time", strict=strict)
11:32
